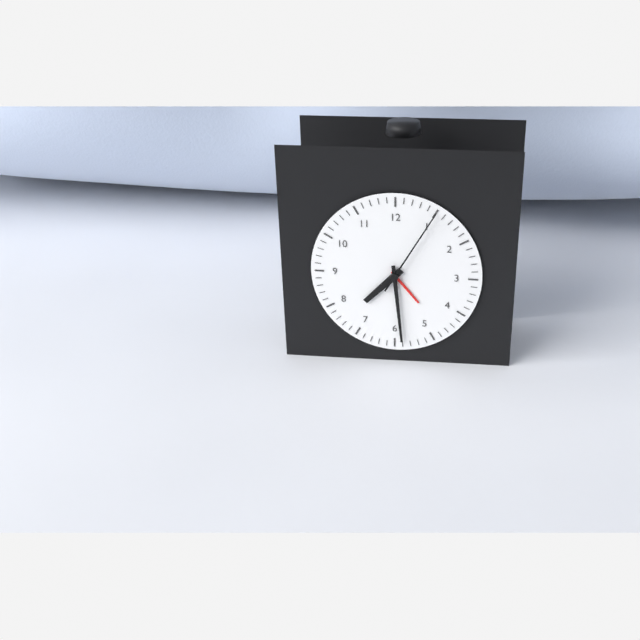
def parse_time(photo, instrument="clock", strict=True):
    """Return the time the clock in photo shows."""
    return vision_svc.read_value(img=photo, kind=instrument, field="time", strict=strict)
7:29:05
